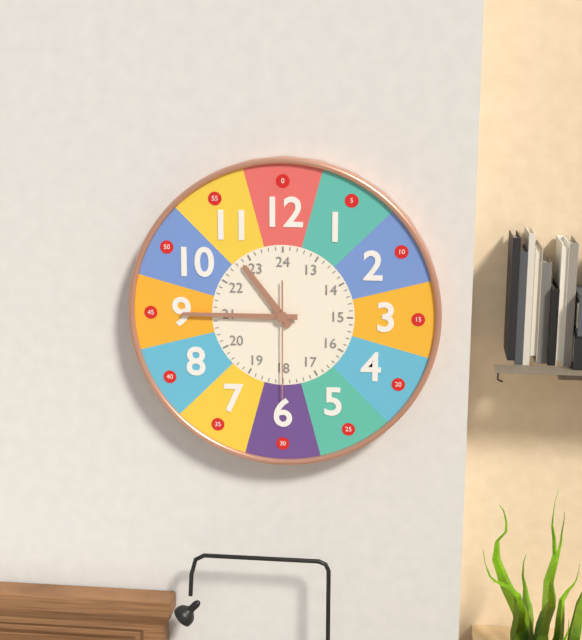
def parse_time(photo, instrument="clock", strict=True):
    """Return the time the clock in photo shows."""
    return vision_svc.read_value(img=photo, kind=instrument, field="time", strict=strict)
10:45:30
